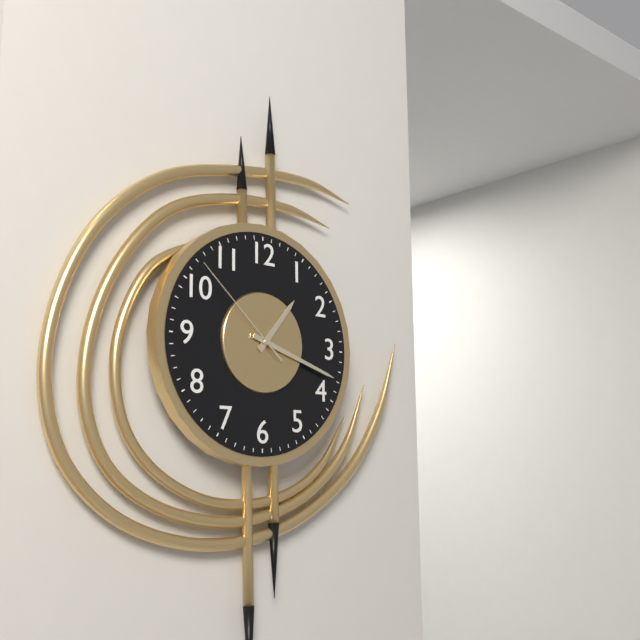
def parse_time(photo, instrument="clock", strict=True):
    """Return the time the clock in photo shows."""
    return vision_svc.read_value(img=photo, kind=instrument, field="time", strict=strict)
1:18:52
